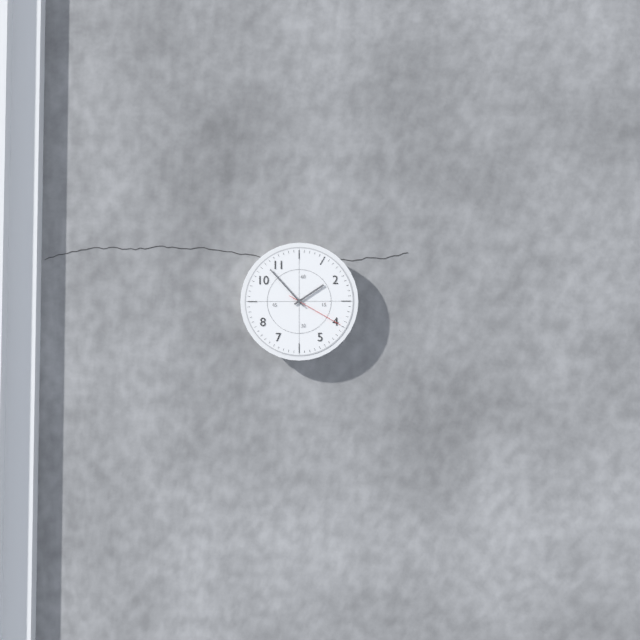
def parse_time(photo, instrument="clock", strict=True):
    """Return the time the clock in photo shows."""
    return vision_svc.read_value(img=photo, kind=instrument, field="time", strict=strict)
1:53:20
